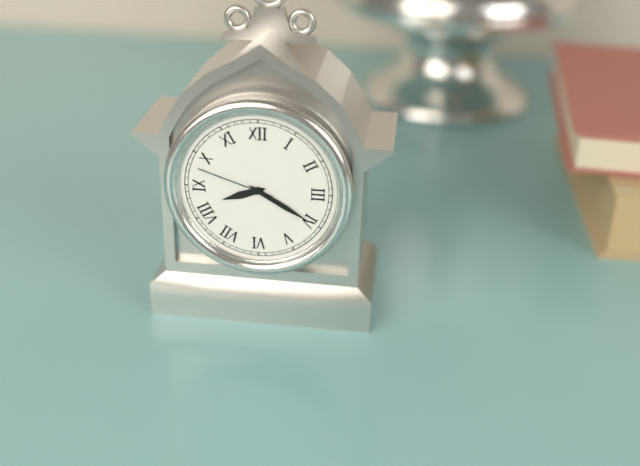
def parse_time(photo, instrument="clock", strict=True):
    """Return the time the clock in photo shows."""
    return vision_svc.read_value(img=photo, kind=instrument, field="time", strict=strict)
8:20:48
